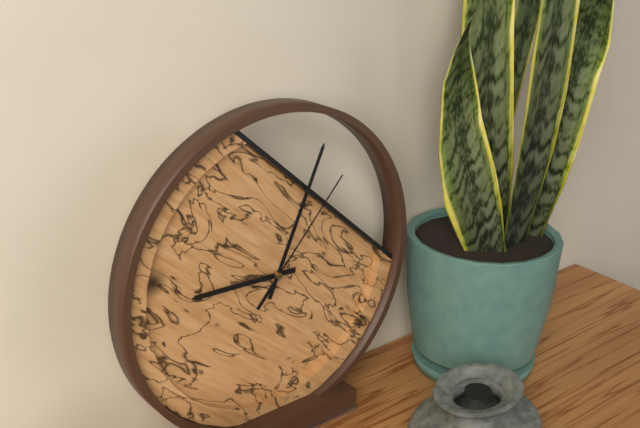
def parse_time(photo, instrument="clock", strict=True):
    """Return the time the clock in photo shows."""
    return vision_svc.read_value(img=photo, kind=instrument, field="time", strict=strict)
9:04:07
